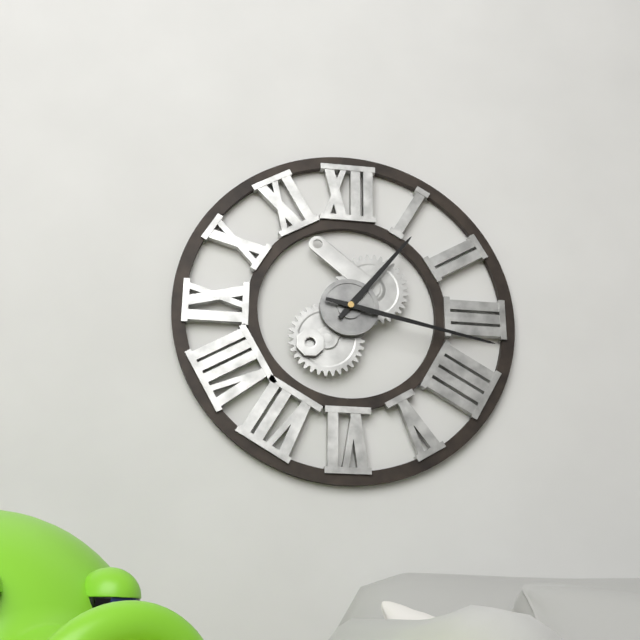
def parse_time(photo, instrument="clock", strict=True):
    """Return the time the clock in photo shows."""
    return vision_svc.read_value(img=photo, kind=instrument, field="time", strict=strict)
1:17
